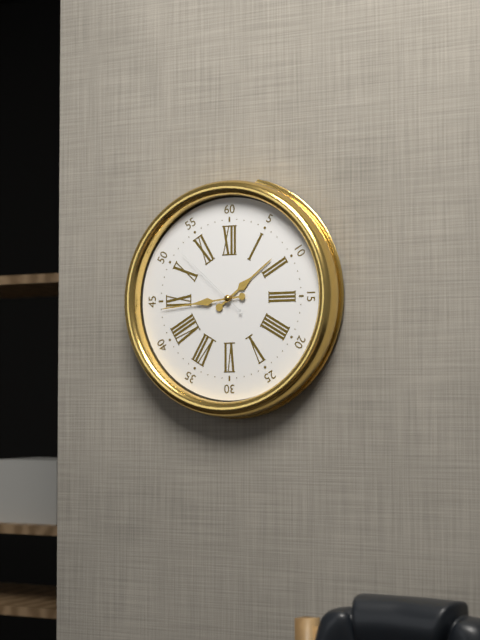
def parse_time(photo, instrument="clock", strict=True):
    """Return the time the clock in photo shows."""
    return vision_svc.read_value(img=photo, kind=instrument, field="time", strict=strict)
1:44:52
